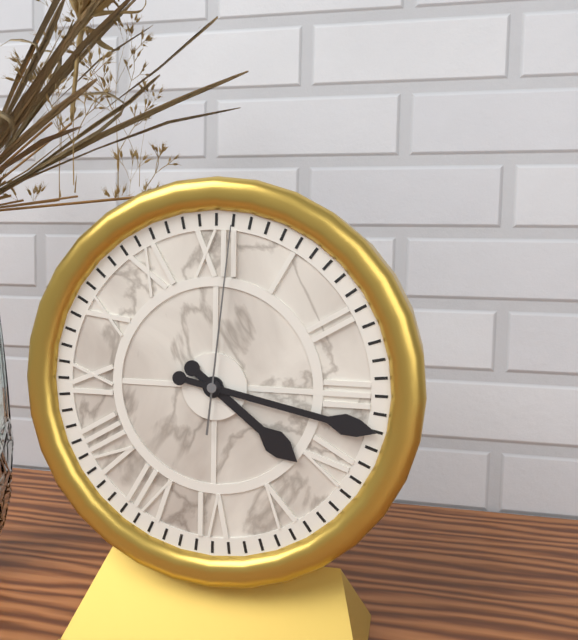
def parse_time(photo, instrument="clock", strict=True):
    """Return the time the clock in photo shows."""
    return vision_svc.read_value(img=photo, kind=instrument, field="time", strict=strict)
4:17:01
